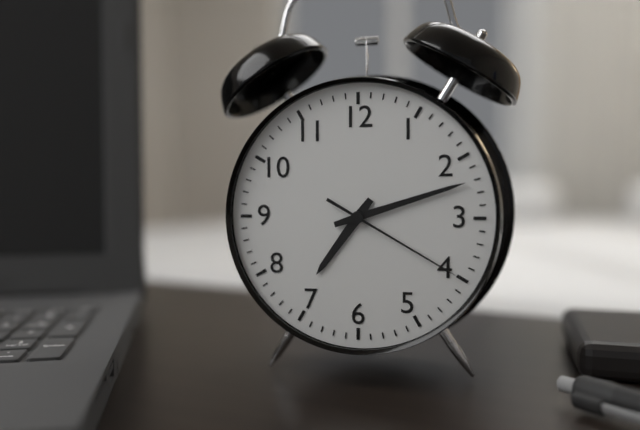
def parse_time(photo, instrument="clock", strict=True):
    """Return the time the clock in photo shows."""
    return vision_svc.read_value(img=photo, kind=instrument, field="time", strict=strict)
7:12:20
